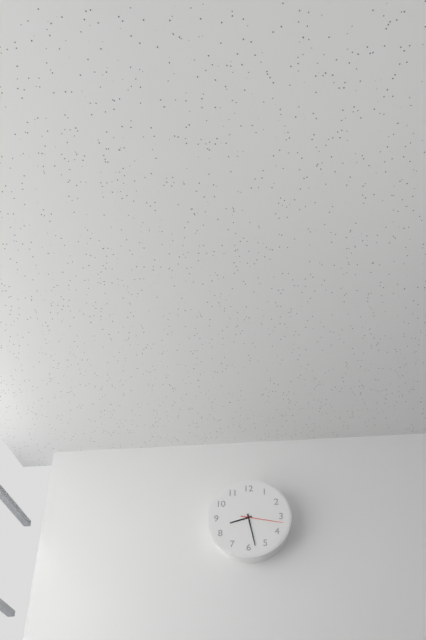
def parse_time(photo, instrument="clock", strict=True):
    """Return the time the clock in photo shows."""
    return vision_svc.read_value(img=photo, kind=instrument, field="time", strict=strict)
8:28
